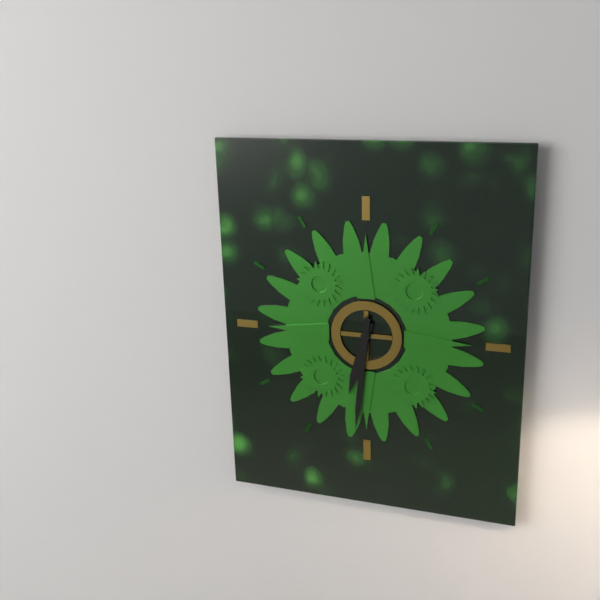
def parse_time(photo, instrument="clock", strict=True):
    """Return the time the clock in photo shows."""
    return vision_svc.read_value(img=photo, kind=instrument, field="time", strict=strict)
6:31
